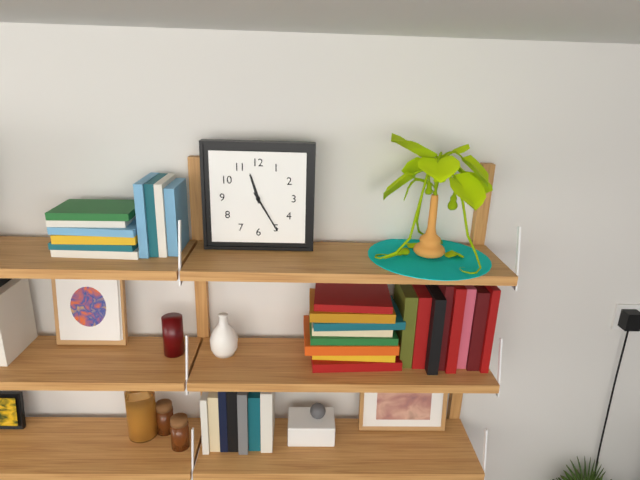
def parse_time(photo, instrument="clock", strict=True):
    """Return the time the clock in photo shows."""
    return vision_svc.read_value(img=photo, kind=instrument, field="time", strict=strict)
11:25
